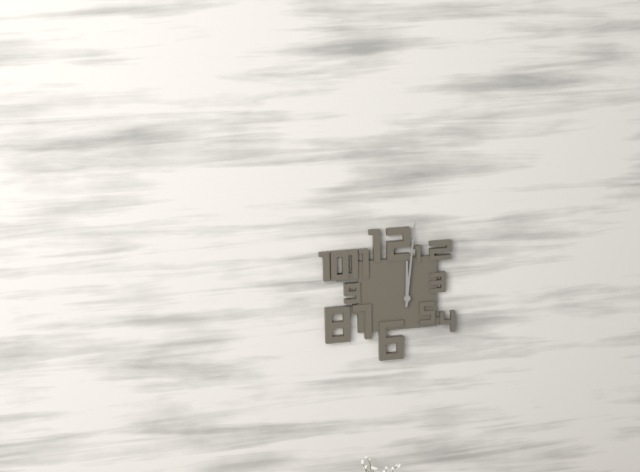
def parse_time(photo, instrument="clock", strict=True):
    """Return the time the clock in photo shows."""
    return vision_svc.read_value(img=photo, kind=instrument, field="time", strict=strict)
12:01
